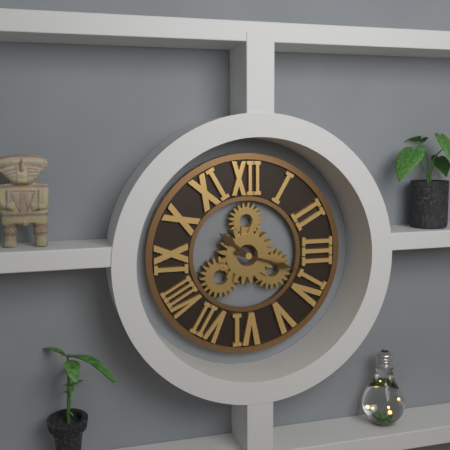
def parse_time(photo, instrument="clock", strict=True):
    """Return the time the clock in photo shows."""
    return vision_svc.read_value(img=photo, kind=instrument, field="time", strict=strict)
10:18
